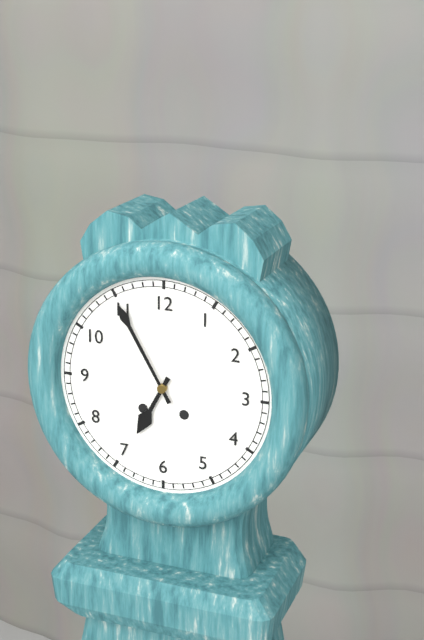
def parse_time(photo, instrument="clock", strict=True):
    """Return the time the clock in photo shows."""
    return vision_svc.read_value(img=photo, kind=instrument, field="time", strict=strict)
6:55
